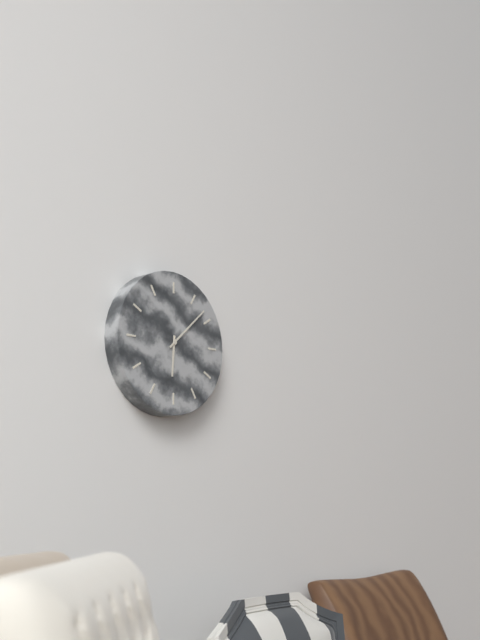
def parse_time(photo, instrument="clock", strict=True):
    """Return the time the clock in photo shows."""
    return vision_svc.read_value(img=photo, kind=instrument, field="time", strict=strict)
6:08
